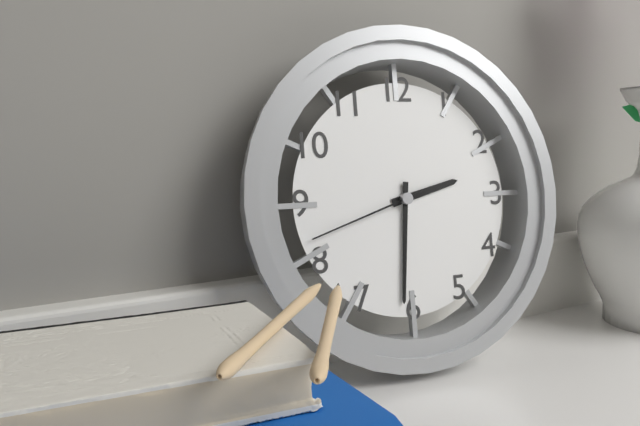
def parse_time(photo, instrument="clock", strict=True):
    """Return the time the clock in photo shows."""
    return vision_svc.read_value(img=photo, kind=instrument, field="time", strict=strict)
2:31:42
